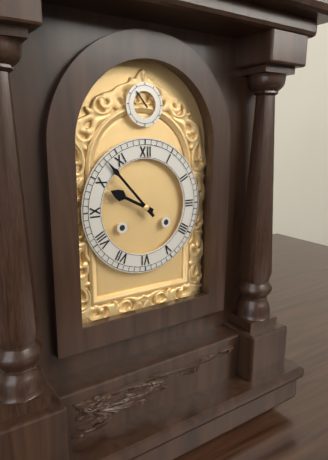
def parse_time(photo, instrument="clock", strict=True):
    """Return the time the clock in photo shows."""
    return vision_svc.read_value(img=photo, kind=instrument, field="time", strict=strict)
9:53
